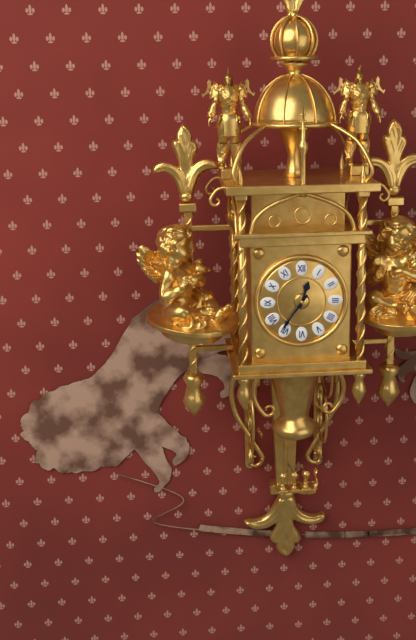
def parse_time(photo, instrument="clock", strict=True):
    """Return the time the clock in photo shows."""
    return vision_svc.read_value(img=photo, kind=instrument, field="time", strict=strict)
12:36
